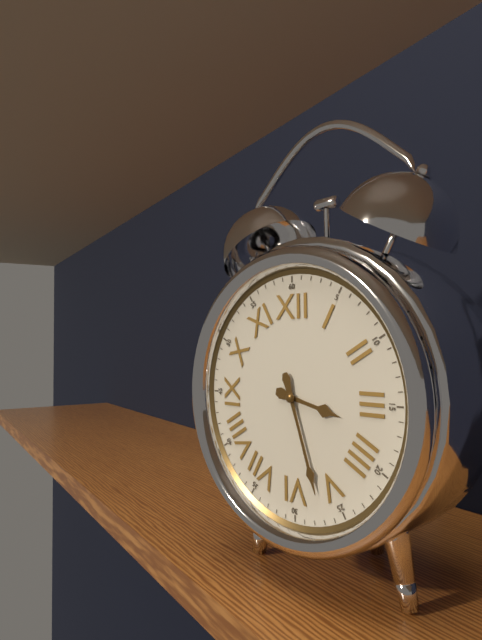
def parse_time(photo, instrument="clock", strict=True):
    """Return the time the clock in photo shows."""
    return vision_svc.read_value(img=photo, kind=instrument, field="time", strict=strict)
3:27
